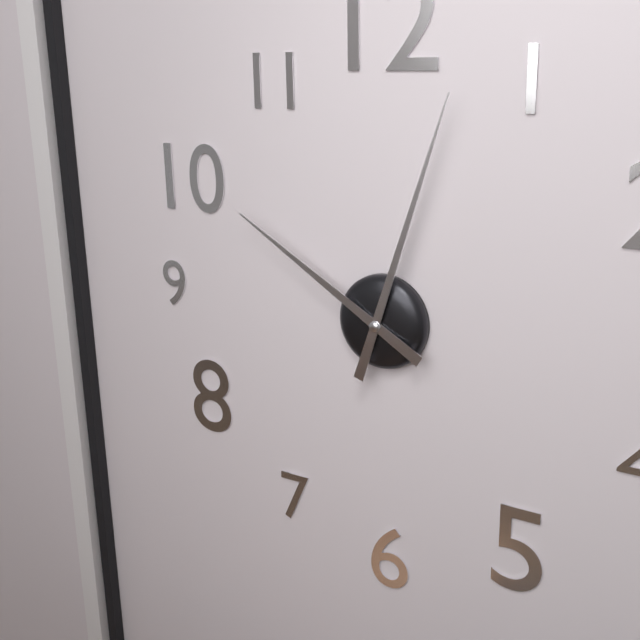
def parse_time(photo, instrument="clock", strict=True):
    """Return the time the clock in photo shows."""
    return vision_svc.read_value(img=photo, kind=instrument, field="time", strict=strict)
10:03
